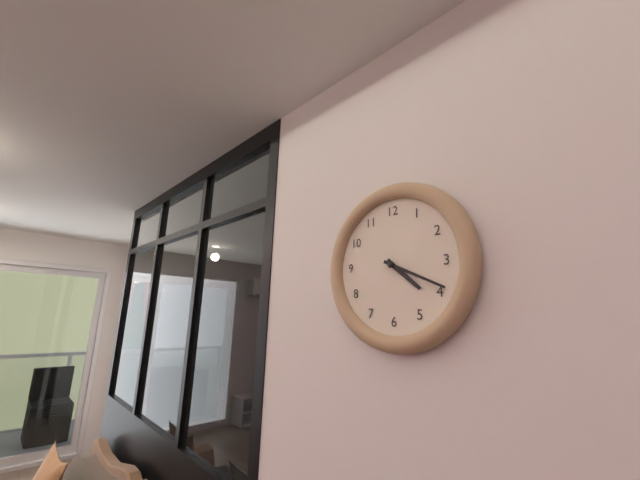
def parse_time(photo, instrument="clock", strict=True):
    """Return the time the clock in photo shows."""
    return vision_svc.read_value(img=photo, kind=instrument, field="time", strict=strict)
4:19
